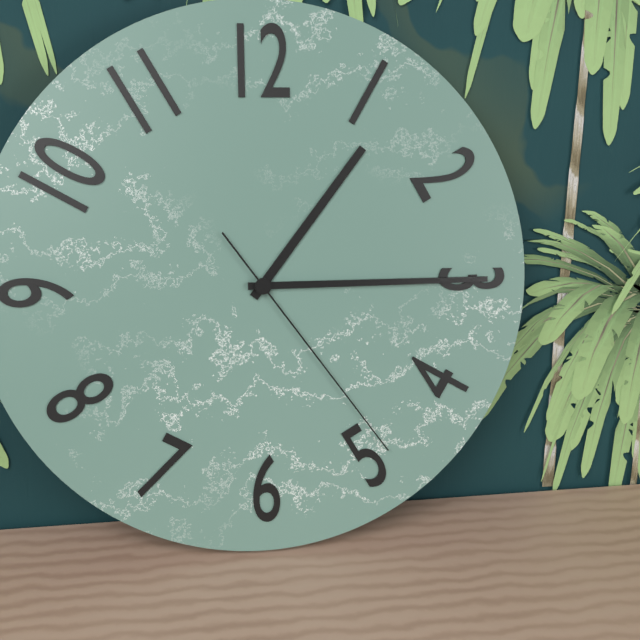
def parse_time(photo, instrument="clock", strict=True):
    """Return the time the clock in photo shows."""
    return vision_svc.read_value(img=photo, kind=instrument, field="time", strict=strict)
1:15:24
